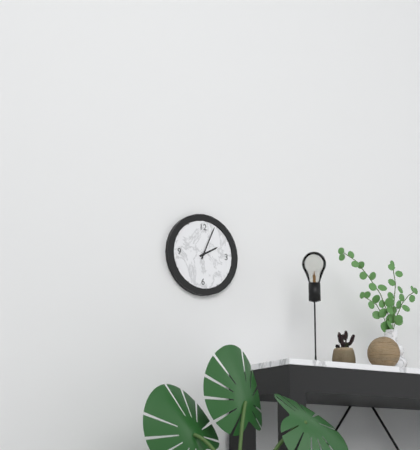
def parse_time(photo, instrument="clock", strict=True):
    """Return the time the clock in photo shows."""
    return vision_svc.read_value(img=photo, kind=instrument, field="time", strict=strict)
2:04
